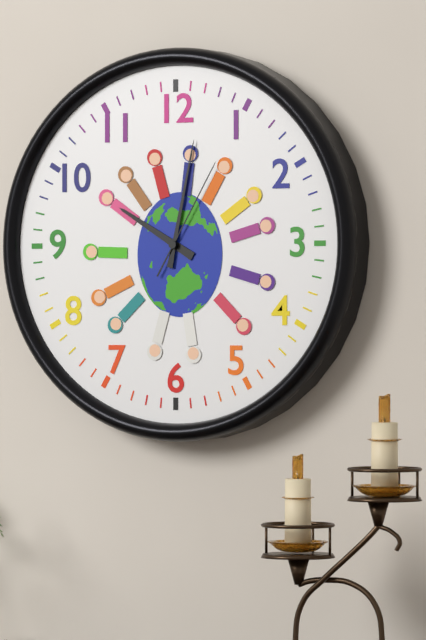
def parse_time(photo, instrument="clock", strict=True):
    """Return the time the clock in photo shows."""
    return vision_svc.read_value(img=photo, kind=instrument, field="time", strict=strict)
10:02:05
